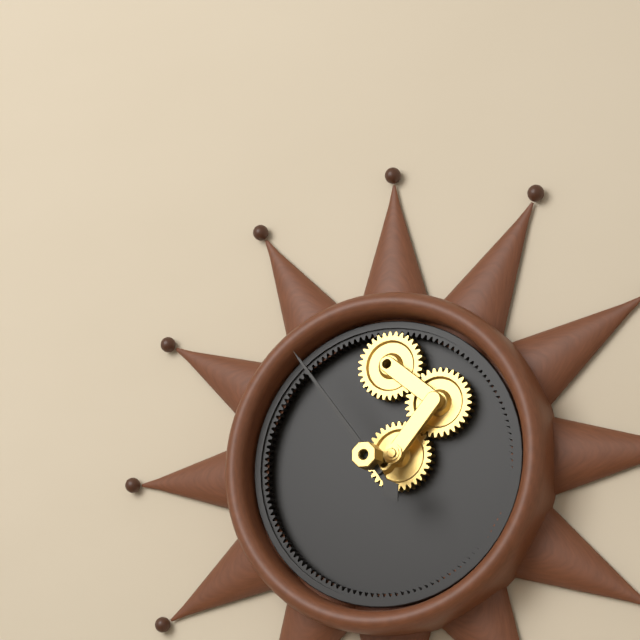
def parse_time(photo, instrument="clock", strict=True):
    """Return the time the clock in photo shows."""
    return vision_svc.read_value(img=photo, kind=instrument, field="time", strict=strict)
4:54
